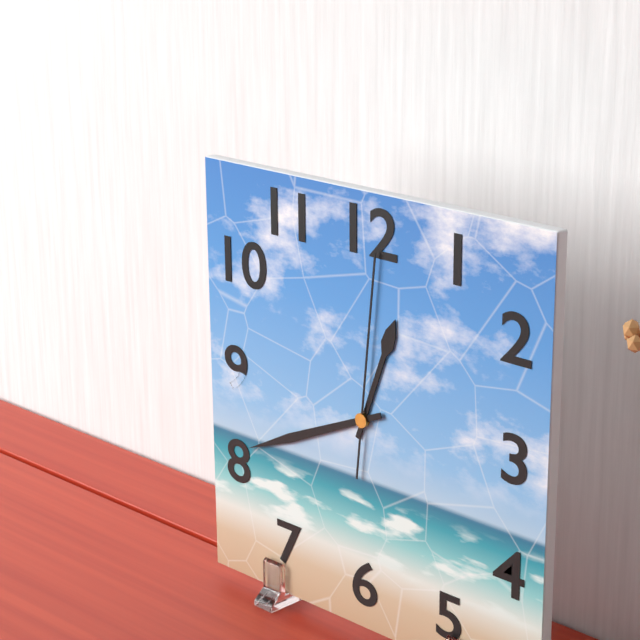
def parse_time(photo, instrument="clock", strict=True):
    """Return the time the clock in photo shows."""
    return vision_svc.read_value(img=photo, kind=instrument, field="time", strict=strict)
12:41:01
